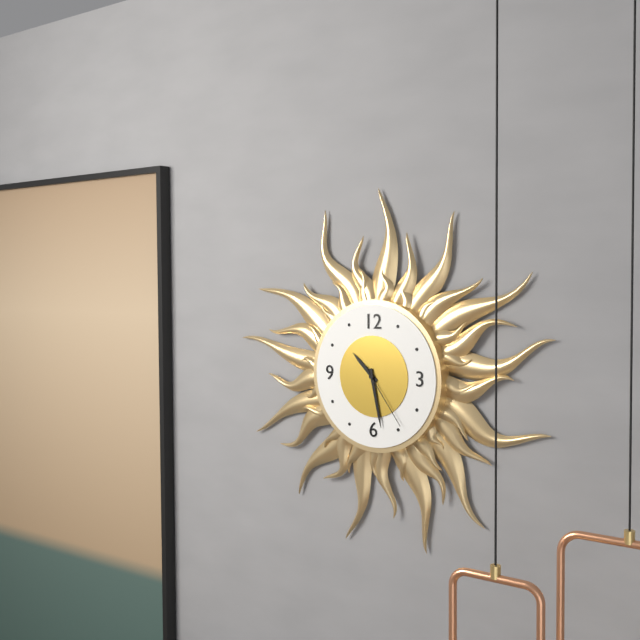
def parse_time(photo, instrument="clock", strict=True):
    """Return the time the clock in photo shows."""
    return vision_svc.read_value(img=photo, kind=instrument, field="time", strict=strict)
10:28:24
